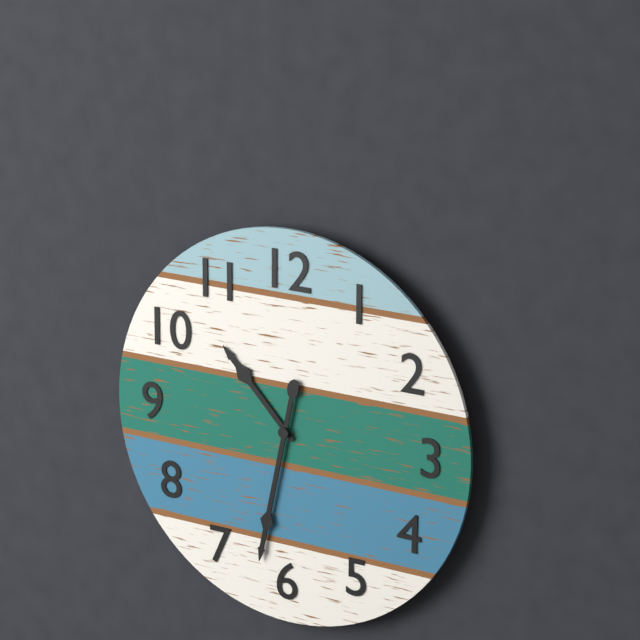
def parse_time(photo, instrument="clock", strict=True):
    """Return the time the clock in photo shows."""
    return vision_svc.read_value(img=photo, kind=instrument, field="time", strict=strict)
10:32
